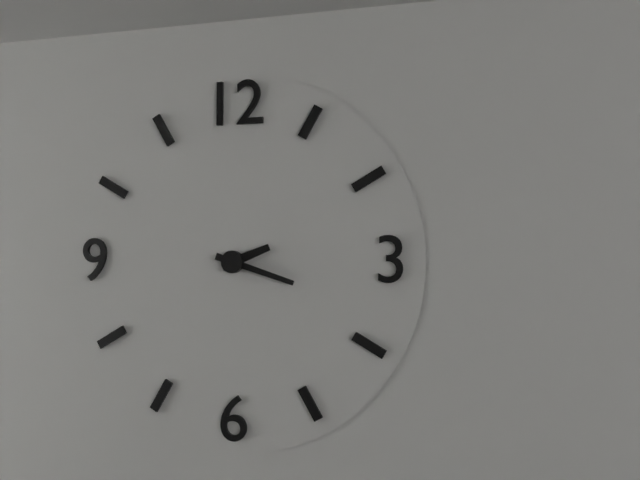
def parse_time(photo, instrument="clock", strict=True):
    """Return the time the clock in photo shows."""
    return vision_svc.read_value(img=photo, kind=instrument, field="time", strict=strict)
2:18
